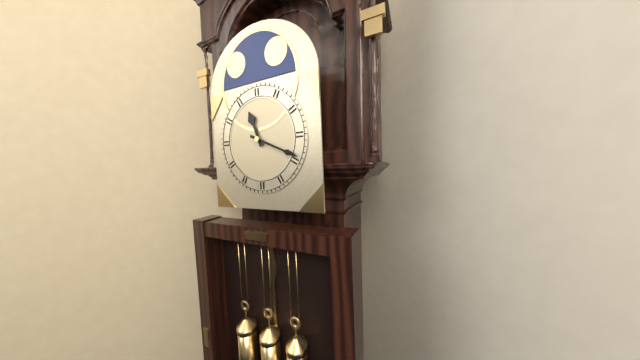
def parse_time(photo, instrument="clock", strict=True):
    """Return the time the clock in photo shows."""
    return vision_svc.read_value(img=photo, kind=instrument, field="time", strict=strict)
11:19
